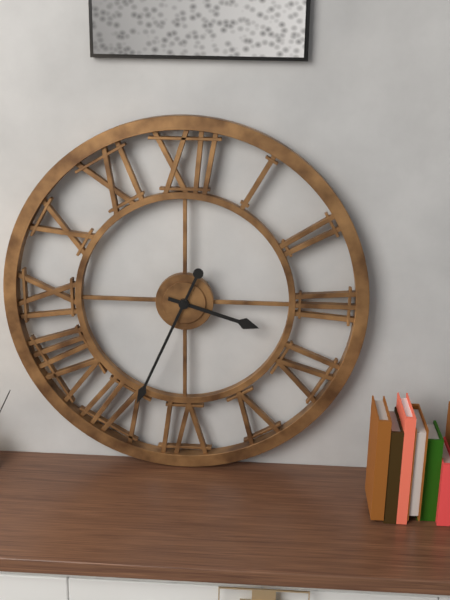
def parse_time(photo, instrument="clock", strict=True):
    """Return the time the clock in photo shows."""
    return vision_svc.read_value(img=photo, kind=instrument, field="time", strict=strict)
3:34
